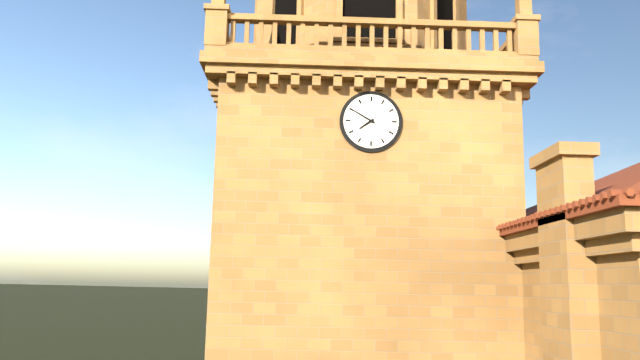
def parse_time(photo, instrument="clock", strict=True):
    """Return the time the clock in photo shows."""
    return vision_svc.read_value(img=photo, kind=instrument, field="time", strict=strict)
7:50
